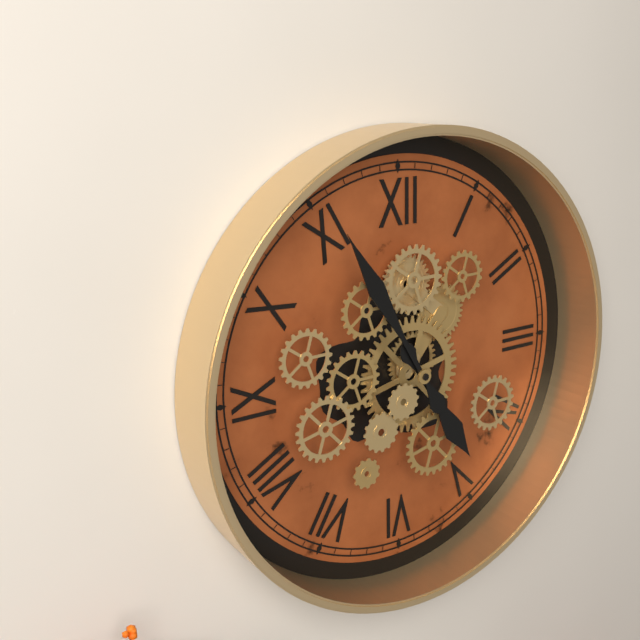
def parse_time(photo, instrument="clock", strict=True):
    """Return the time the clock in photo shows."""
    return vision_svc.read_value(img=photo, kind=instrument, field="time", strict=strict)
4:55
